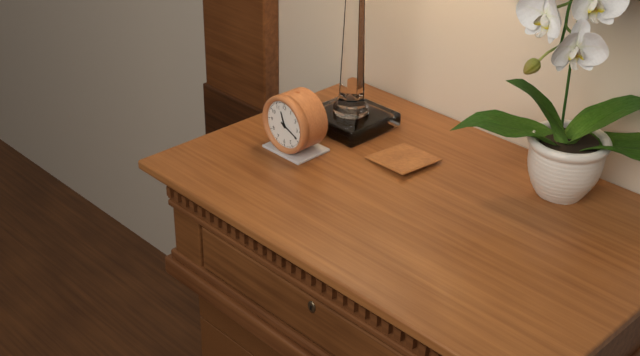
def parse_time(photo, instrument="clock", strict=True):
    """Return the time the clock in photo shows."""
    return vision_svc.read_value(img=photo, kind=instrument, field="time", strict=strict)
11:19
